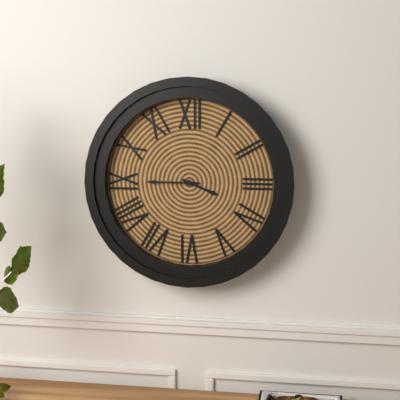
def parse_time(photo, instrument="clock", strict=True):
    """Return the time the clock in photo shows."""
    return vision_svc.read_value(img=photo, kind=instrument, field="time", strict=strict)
3:45
